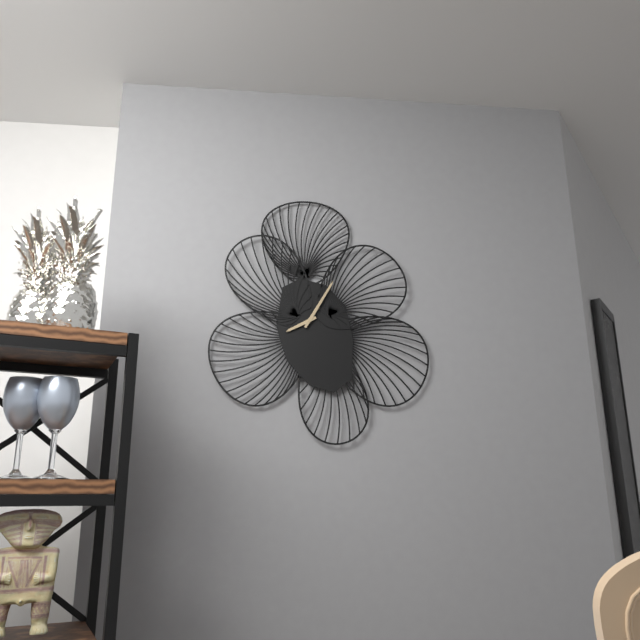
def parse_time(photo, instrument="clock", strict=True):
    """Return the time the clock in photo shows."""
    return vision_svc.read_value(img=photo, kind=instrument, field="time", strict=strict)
8:05
